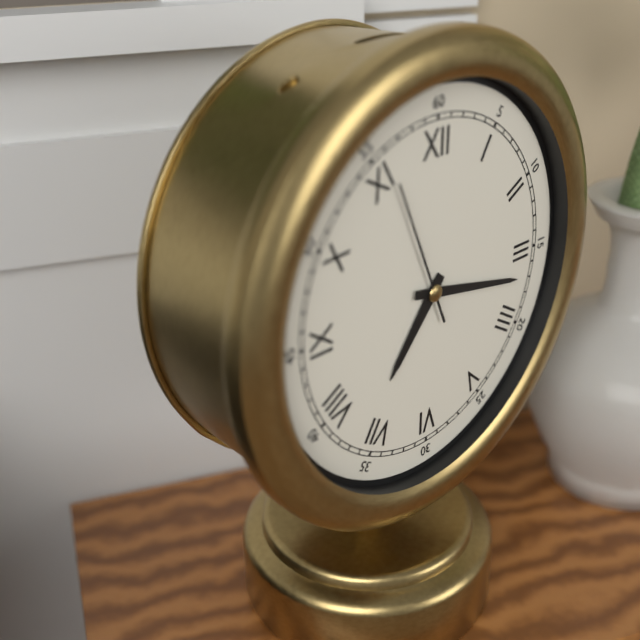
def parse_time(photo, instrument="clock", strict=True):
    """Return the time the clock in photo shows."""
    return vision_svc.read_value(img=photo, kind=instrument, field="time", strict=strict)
7:17:56
